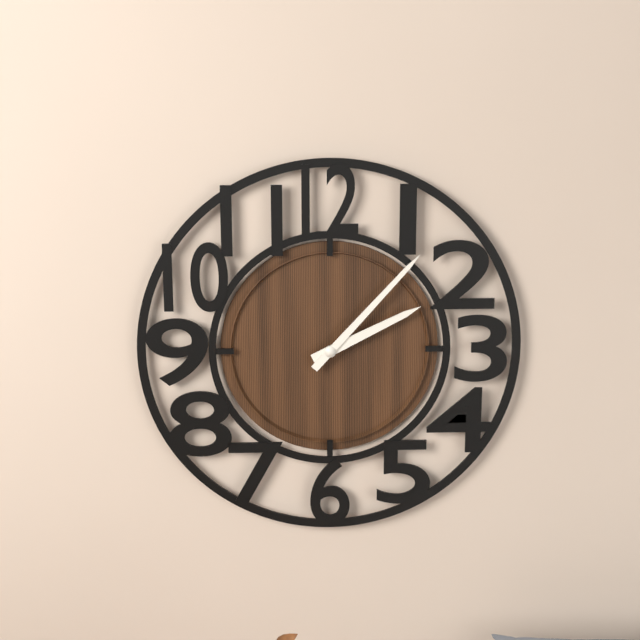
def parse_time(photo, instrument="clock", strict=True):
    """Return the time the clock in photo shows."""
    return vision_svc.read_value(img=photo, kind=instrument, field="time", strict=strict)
2:07
